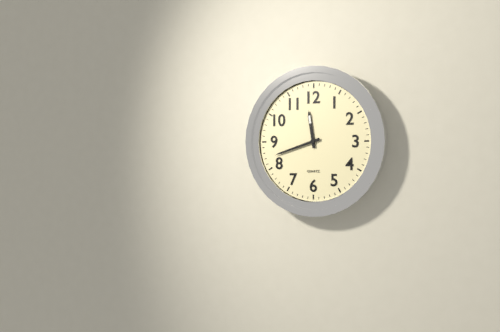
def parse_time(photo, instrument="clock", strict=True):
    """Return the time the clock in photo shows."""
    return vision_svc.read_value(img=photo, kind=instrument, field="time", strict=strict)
11:42
